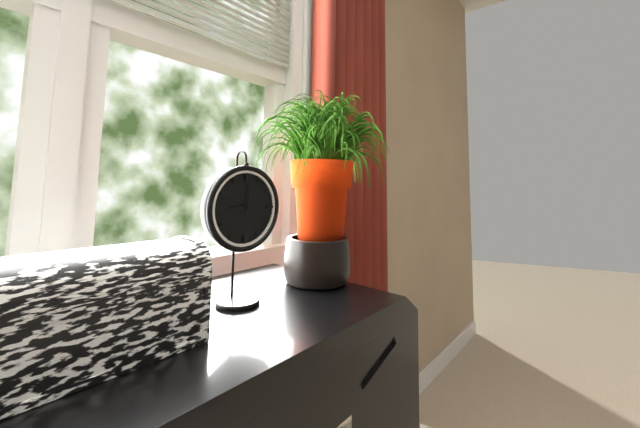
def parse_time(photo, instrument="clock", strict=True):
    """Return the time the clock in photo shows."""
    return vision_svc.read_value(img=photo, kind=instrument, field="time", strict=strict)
9:02
